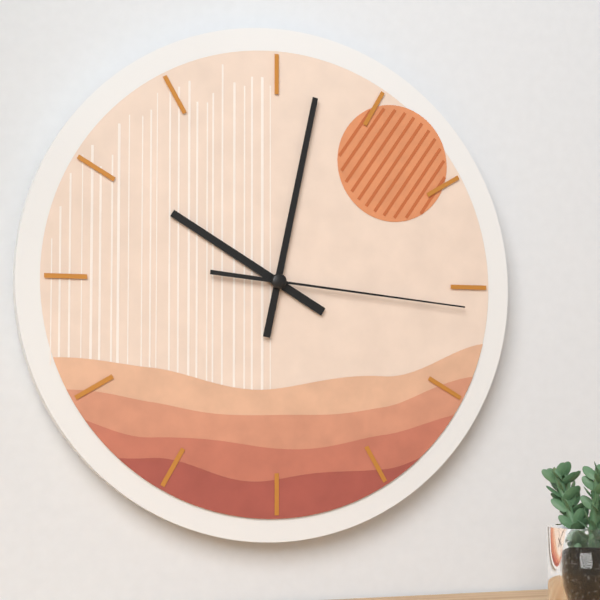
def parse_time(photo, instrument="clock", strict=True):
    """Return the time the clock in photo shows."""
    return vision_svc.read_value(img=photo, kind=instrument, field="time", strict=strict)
10:02:16
